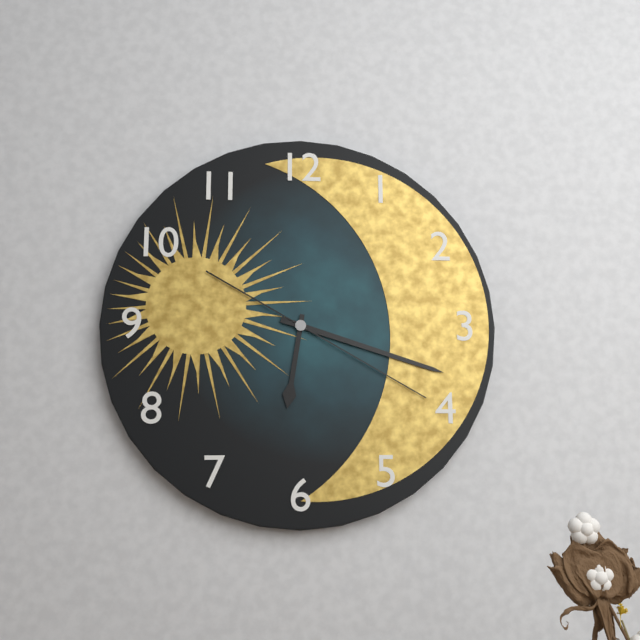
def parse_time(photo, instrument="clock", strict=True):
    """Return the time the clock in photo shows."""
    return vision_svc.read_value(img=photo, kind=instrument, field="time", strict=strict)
6:18:20
